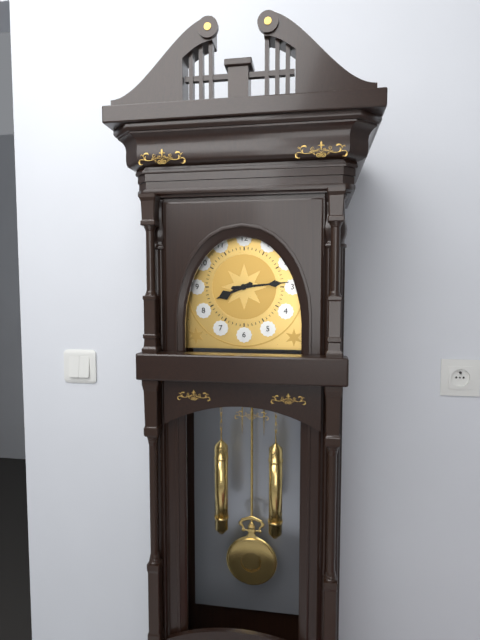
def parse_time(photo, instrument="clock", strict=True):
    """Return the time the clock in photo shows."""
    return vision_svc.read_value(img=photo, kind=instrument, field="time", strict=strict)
8:14
